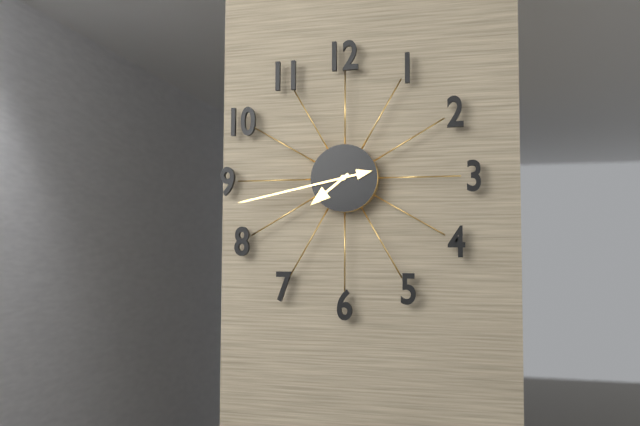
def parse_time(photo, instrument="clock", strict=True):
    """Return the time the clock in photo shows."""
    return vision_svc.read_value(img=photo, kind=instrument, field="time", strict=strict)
7:43
